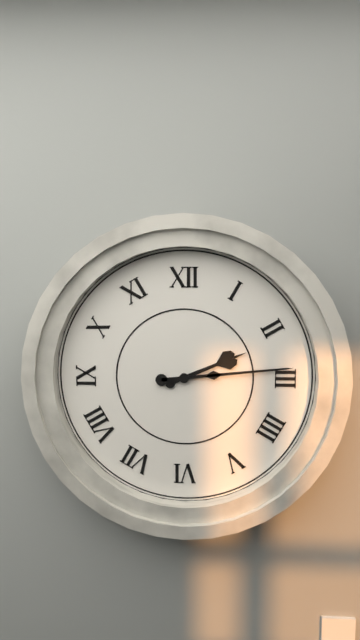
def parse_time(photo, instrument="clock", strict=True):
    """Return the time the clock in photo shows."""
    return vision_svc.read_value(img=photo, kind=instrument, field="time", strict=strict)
2:14
